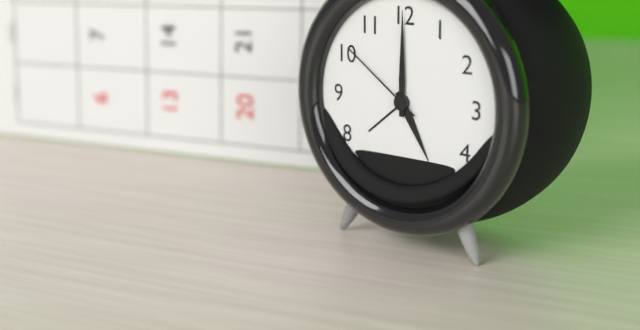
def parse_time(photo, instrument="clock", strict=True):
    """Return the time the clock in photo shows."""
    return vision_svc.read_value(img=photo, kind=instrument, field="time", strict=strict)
5:00:51
